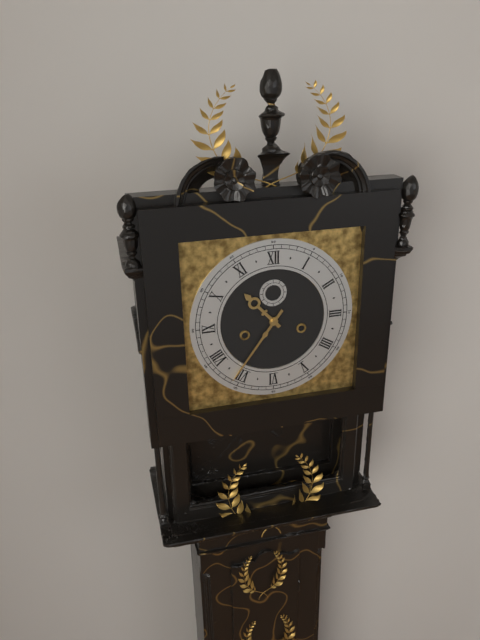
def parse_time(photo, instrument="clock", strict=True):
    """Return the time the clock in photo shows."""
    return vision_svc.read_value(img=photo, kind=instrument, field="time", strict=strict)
10:36
